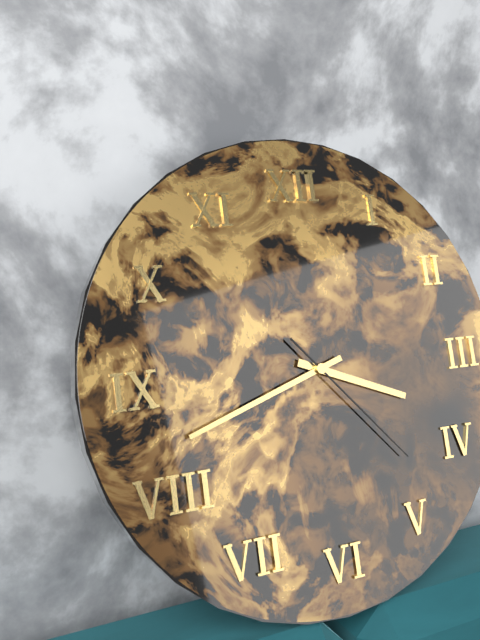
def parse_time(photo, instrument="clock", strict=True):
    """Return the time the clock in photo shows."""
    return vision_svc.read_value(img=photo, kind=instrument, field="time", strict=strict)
3:42:23
